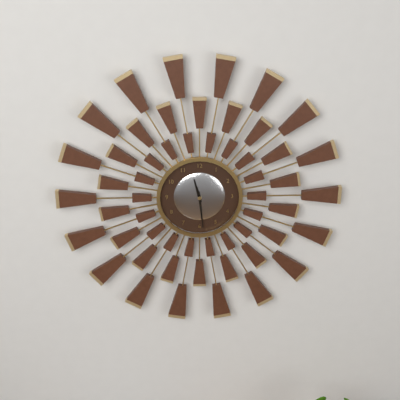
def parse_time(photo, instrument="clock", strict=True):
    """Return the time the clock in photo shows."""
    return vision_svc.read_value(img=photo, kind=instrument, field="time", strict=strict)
11:29
